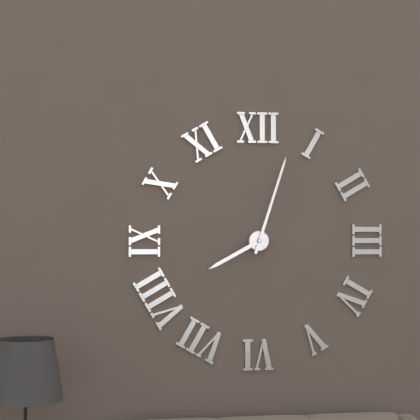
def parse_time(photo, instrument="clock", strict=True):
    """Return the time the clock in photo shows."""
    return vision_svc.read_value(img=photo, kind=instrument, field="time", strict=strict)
8:03
